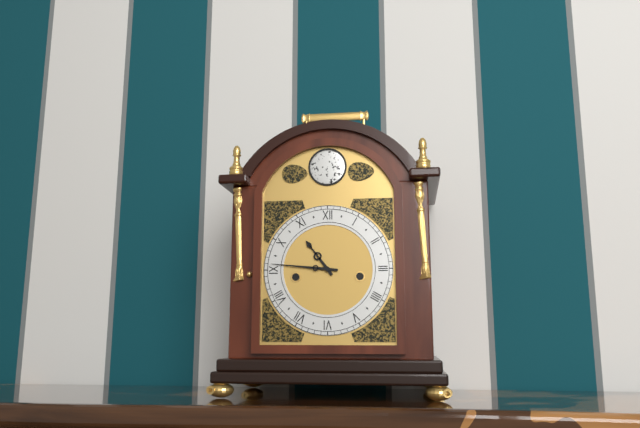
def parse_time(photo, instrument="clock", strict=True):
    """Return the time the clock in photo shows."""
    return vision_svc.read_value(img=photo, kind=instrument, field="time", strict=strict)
10:46
